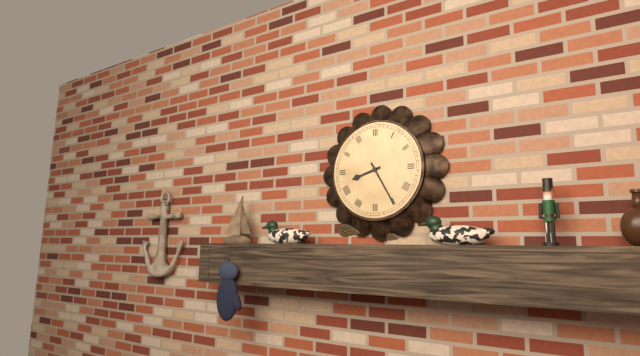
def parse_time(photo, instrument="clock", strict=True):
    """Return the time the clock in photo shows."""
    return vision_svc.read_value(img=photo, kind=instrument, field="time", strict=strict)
8:25
